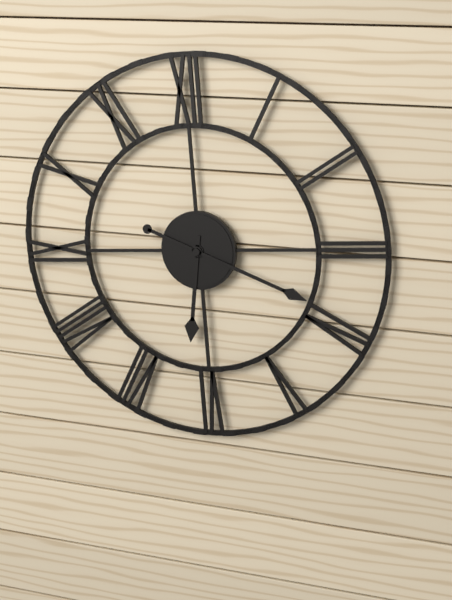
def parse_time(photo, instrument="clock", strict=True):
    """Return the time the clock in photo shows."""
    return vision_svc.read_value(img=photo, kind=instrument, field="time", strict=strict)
6:19
